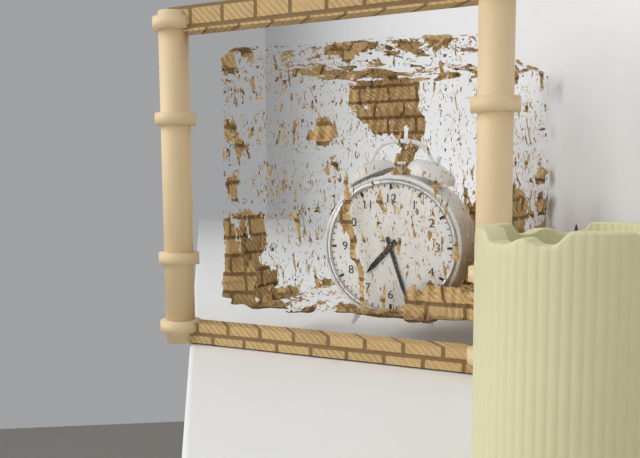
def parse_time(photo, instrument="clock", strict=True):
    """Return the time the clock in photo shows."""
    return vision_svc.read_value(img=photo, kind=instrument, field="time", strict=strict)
7:27
